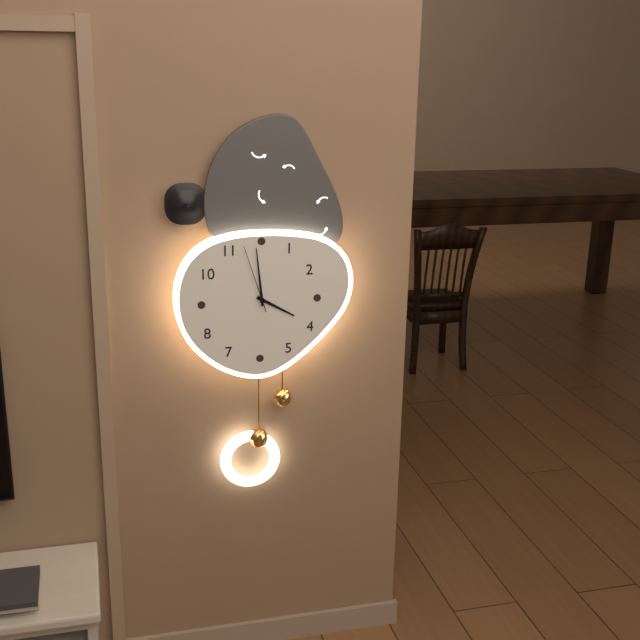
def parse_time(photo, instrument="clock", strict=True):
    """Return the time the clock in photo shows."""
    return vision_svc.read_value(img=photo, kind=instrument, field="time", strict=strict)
3:59:57
